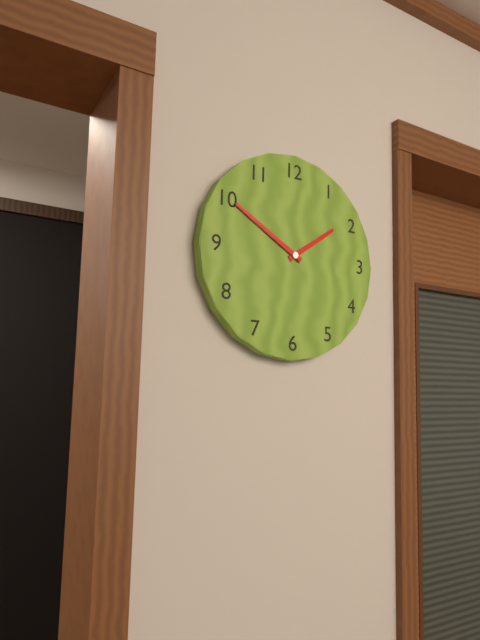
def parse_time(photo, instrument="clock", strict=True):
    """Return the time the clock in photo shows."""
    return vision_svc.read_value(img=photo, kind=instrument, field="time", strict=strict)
1:50
